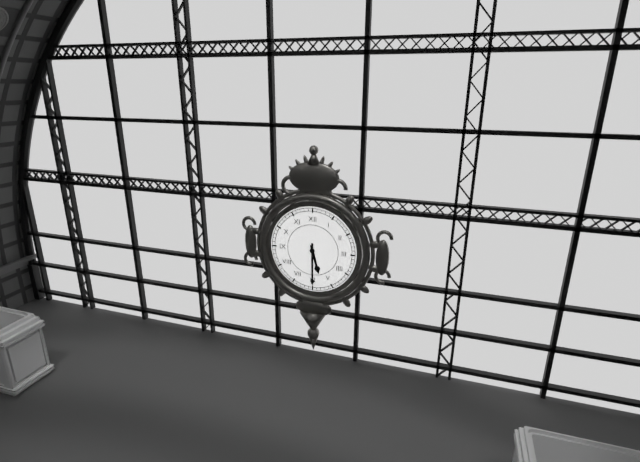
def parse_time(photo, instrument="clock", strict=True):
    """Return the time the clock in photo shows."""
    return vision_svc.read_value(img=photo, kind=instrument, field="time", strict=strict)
5:30
